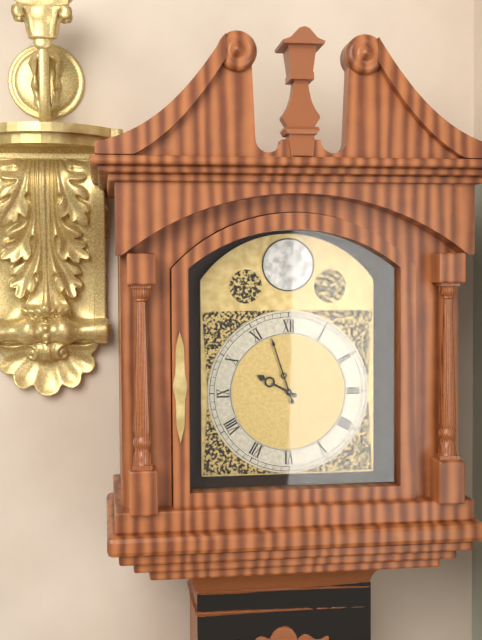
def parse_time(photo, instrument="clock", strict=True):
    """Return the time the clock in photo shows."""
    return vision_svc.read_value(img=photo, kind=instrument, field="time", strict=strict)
9:57
